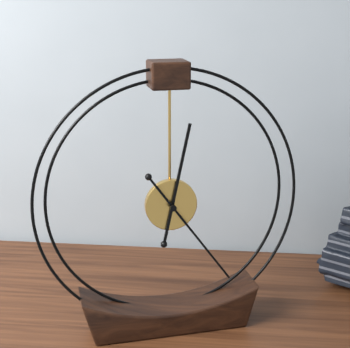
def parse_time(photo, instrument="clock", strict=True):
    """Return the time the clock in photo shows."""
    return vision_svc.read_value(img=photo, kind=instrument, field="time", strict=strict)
12:24
